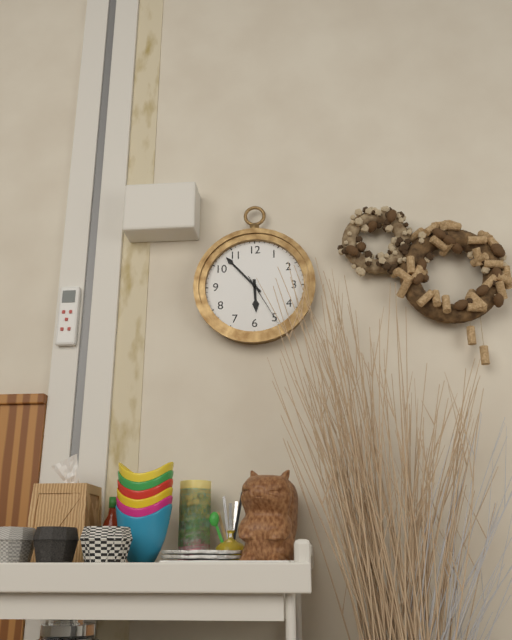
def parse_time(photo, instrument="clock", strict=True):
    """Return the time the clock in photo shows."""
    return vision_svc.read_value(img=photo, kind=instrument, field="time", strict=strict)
5:53:25
